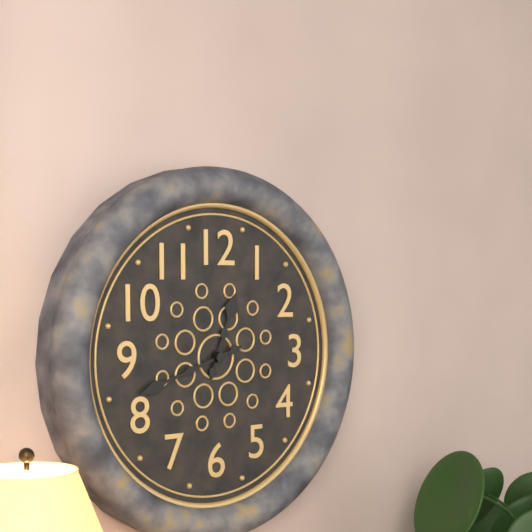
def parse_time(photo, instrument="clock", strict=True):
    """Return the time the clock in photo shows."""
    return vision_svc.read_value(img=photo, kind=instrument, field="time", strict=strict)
12:42
